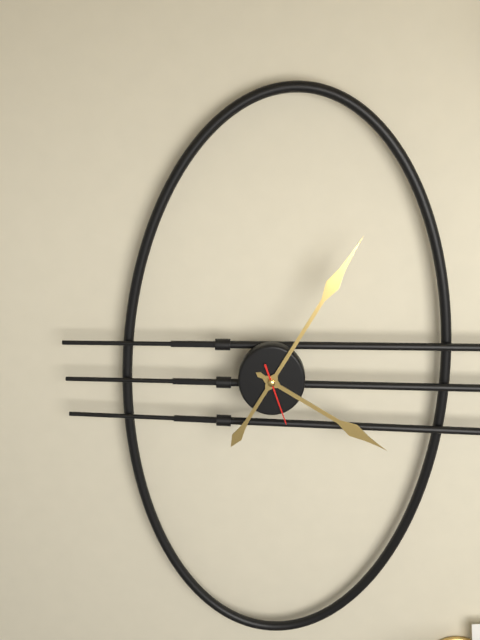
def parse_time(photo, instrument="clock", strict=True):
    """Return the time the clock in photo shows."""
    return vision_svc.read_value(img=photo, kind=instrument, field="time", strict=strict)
4:05:27
